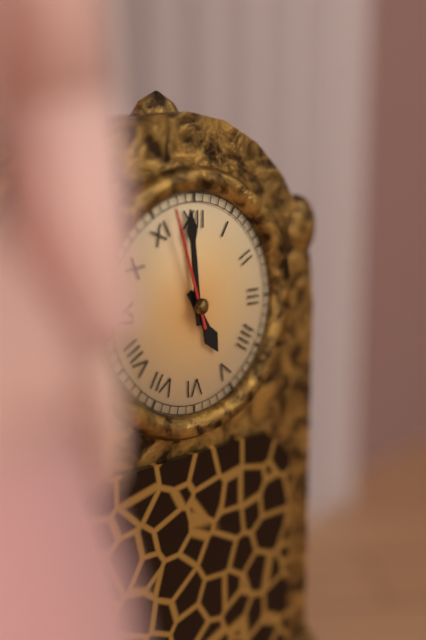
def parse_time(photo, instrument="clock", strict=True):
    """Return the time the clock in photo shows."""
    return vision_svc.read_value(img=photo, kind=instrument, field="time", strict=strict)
4:59:57
